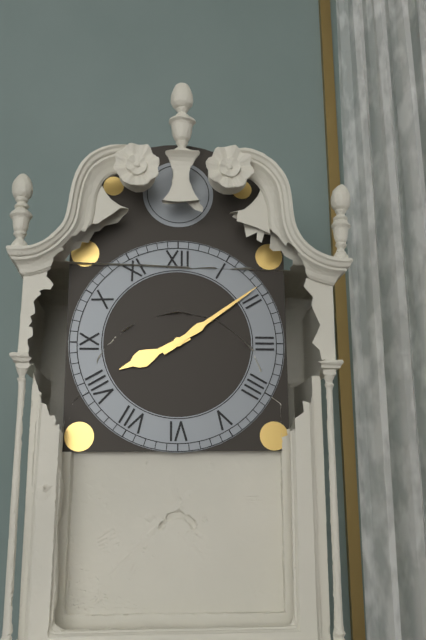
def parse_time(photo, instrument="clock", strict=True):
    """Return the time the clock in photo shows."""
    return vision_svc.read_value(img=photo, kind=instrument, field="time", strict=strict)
8:09
